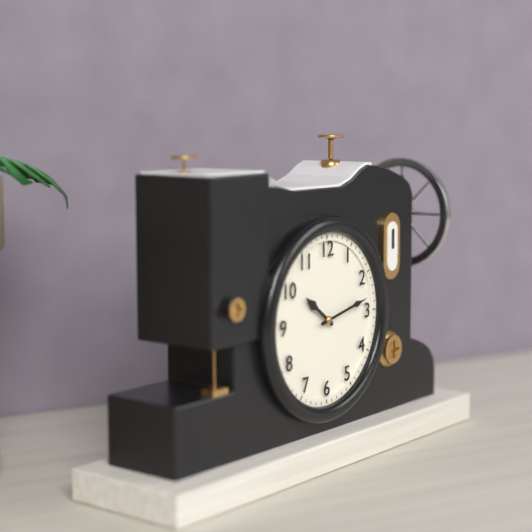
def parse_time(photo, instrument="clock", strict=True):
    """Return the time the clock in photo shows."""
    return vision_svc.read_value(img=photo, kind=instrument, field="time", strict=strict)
10:13
